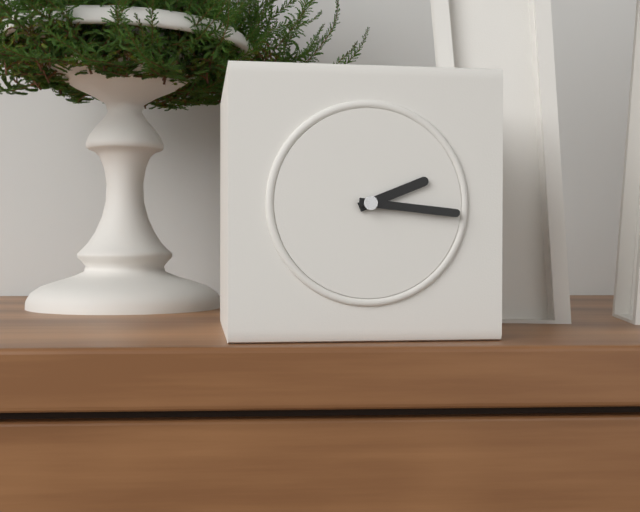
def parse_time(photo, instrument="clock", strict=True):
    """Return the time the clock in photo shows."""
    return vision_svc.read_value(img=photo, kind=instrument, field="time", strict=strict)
2:16
